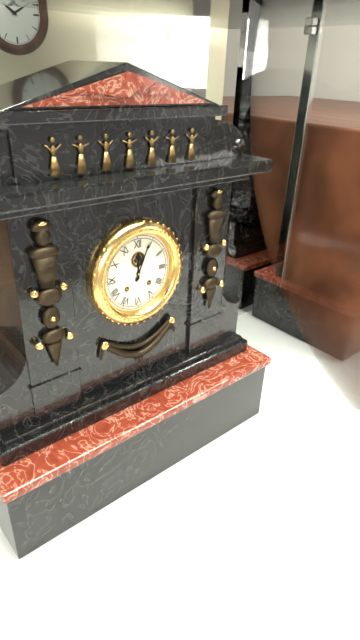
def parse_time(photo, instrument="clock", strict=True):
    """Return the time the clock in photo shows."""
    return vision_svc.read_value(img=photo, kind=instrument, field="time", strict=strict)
12:04
